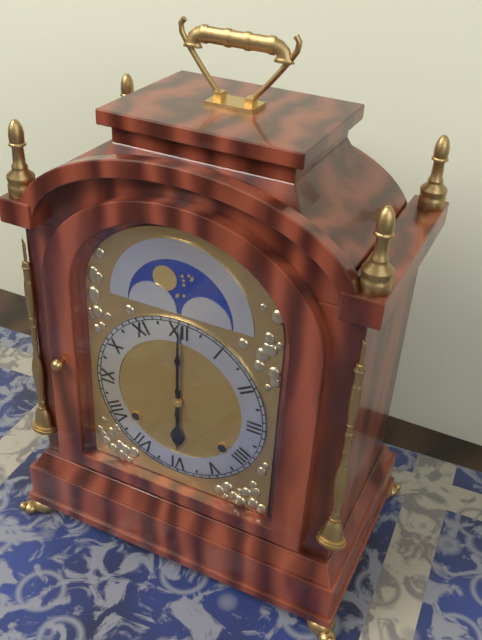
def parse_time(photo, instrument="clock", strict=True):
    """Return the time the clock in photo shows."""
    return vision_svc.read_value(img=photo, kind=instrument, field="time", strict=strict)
6:00
